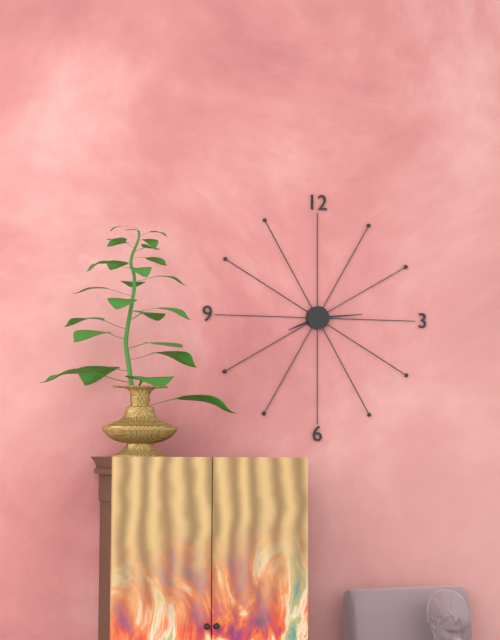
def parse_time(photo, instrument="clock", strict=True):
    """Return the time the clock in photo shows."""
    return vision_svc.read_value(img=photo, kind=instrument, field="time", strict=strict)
8:14
